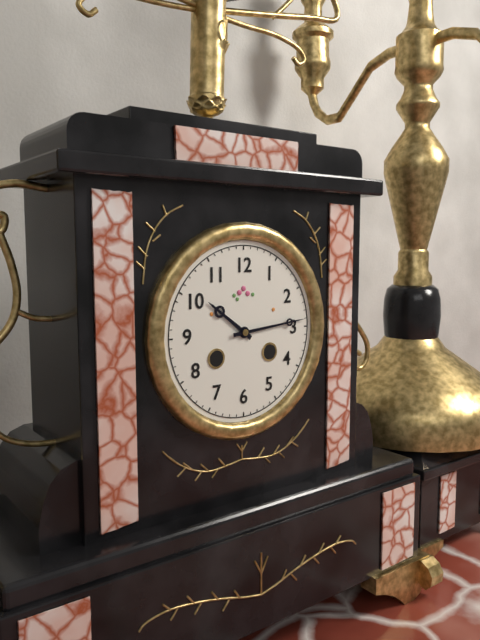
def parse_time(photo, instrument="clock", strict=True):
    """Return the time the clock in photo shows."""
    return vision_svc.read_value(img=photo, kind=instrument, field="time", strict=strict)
10:14
